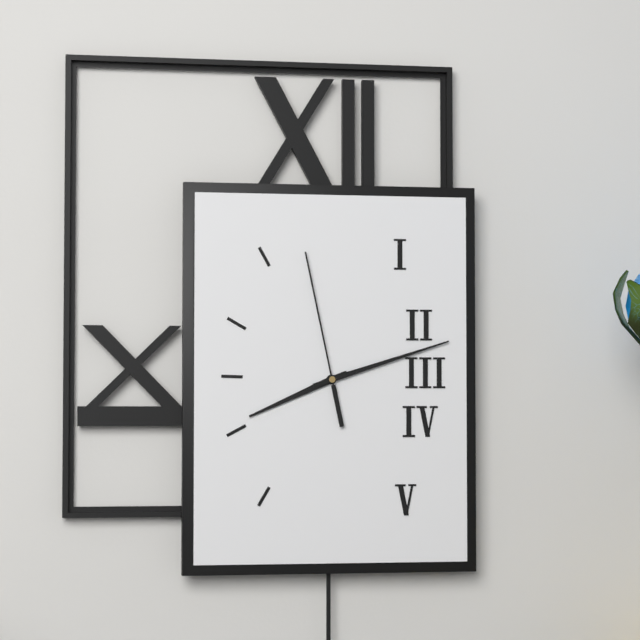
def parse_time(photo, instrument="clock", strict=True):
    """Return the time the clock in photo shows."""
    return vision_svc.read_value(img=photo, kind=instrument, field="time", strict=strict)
8:12:58
